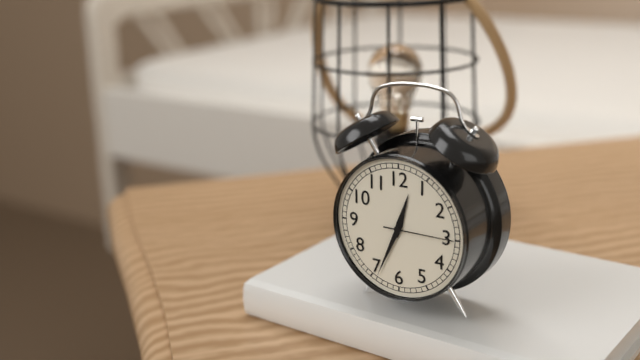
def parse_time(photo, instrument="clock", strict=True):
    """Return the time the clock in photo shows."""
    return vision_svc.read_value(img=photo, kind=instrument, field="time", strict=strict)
12:34:15
